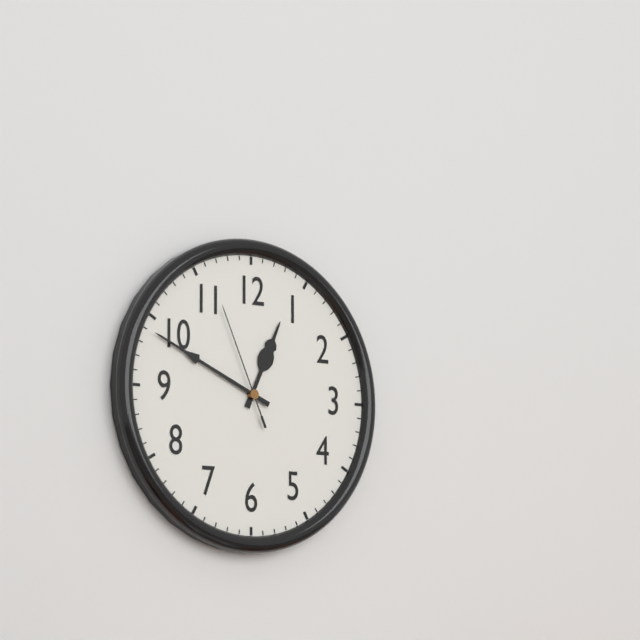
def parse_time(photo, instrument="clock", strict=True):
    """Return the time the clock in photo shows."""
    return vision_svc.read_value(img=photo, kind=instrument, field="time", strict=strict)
12:49:56
